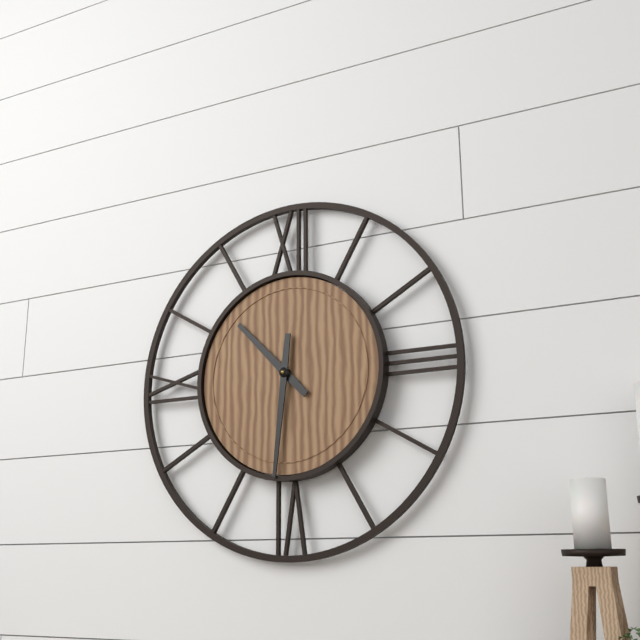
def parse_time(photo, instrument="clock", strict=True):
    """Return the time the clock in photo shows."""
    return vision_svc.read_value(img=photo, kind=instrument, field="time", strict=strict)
10:31
